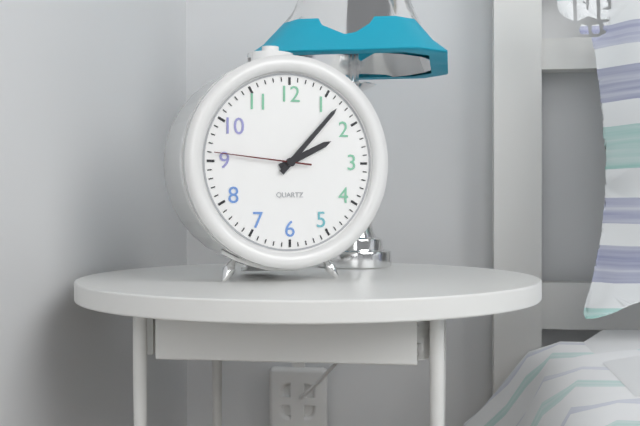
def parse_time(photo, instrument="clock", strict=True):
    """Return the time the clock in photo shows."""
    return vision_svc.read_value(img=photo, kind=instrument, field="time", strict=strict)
2:07:46
